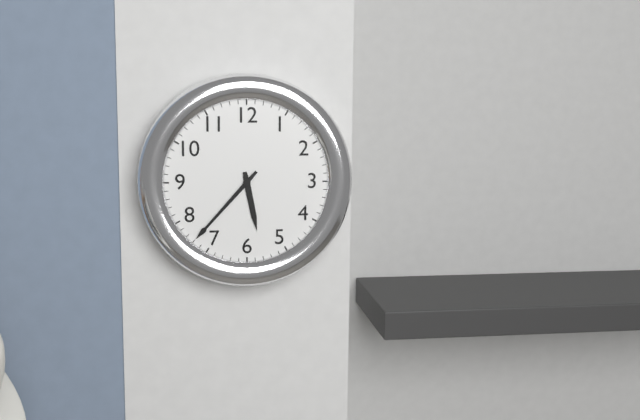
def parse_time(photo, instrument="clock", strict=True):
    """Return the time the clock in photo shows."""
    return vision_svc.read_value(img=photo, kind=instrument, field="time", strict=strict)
5:37
